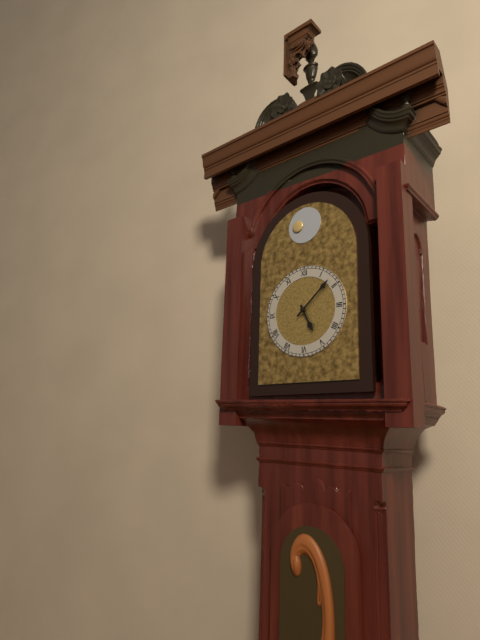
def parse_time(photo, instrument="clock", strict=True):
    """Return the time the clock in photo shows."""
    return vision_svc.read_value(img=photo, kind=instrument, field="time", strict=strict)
5:08
